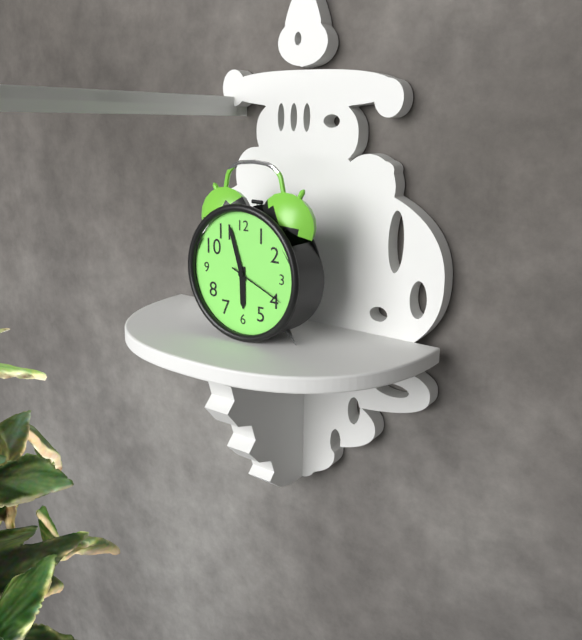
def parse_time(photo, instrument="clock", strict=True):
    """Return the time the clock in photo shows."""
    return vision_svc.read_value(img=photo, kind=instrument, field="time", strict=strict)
5:57:19
